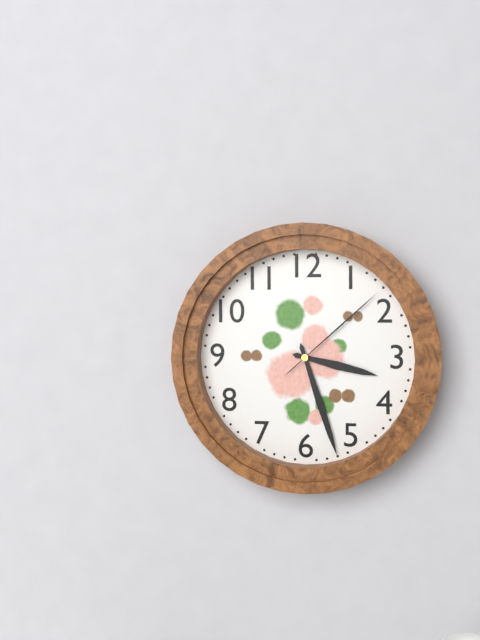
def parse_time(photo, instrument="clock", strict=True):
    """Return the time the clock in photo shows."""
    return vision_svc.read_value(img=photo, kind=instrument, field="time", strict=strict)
3:27:08
